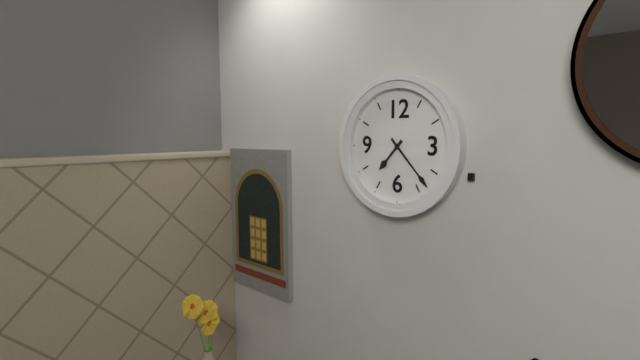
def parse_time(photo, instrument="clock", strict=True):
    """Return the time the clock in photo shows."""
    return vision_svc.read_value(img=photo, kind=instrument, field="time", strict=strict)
7:23
